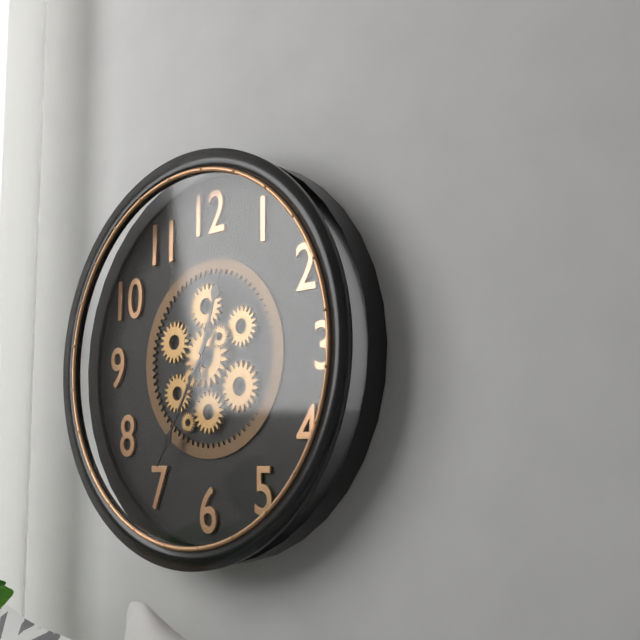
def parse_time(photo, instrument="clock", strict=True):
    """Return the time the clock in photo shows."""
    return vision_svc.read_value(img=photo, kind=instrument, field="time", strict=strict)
12:35
